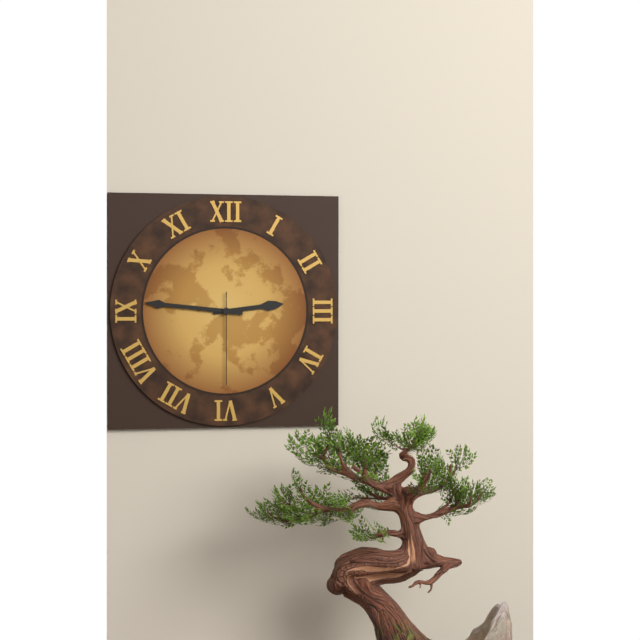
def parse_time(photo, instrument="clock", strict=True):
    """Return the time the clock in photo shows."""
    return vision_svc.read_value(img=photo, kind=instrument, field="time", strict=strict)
2:46:30
